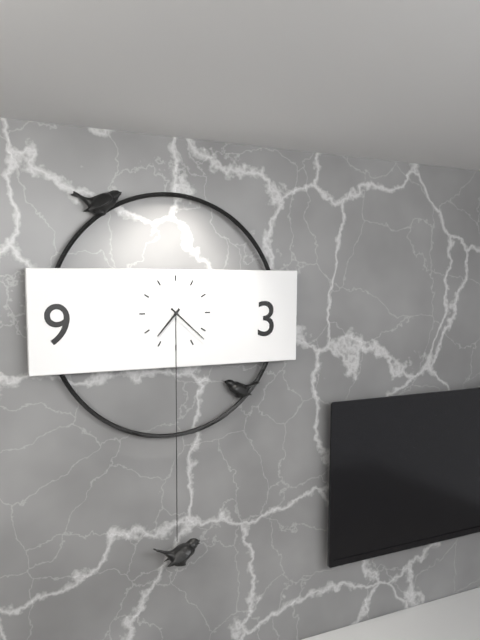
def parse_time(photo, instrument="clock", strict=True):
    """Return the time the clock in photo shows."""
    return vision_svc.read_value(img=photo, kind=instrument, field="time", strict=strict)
7:22
